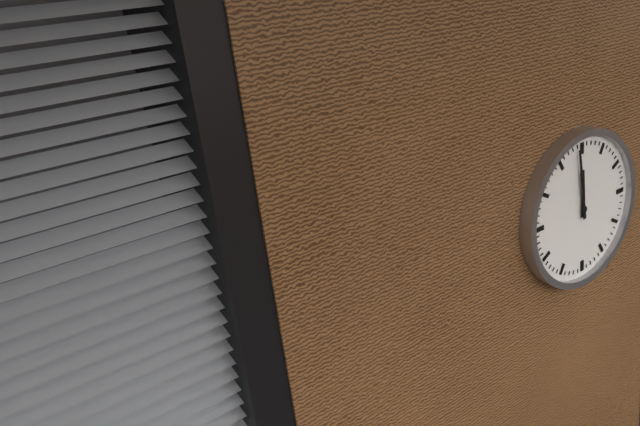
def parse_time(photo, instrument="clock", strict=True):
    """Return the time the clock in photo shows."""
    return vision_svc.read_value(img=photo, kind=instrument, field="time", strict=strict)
11:59
